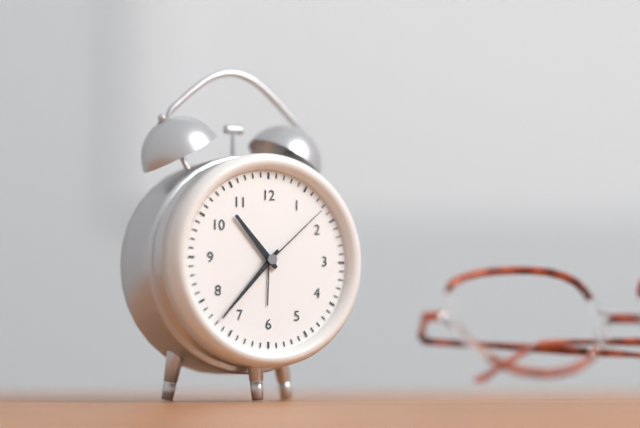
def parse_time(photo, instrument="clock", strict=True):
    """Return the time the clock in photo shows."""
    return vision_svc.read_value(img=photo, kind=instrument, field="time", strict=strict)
10:37:08
